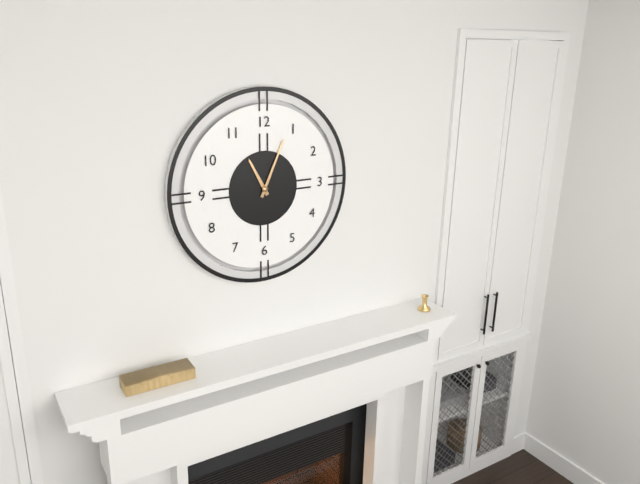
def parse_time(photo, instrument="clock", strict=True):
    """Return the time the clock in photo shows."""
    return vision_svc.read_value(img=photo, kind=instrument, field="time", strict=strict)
11:04
